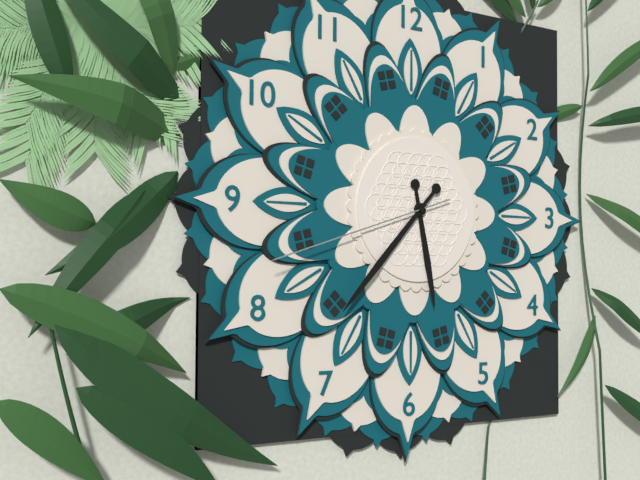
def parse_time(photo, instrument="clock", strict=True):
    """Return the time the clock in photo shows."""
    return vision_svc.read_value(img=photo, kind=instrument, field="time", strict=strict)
5:37:42
